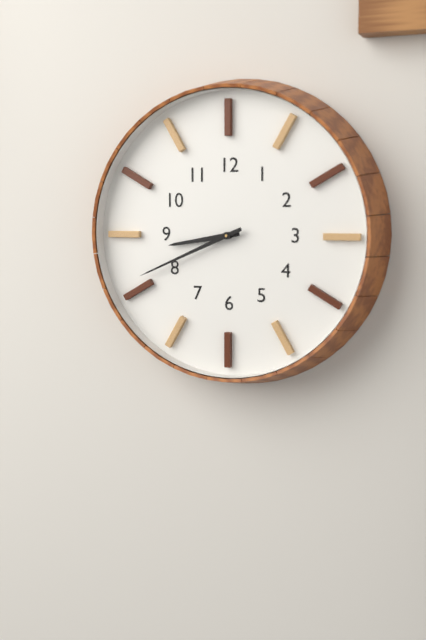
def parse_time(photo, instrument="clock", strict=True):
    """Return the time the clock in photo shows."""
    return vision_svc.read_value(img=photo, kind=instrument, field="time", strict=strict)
8:41
